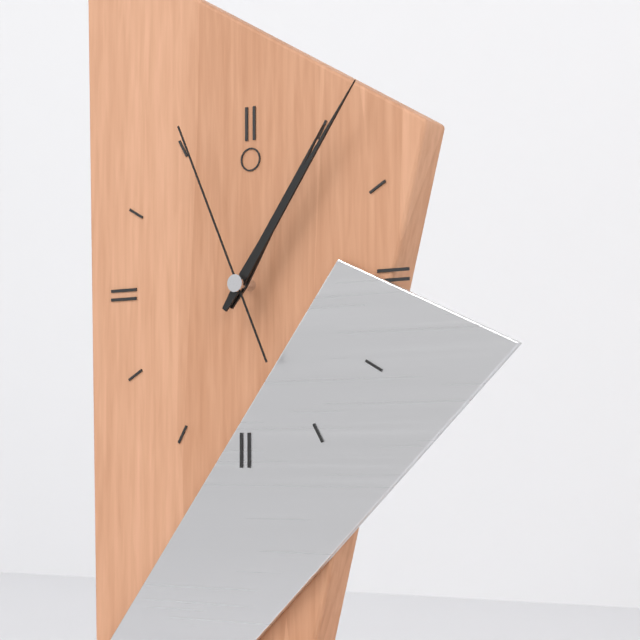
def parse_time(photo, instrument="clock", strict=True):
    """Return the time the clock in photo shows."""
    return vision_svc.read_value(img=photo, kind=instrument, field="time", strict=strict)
1:06:56
